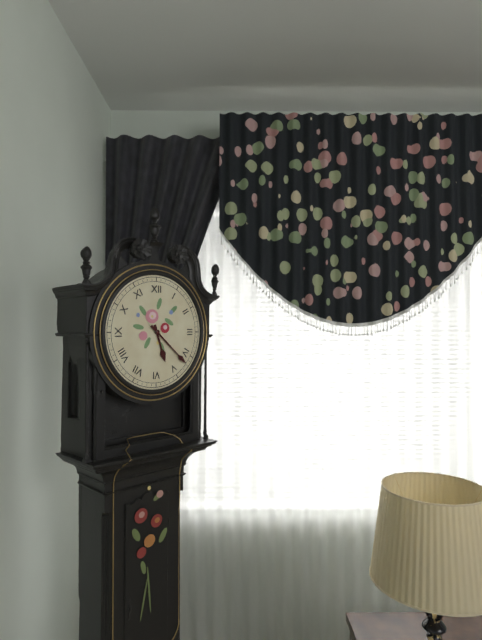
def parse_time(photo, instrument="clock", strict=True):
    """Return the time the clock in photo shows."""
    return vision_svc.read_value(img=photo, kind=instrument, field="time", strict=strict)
5:22
